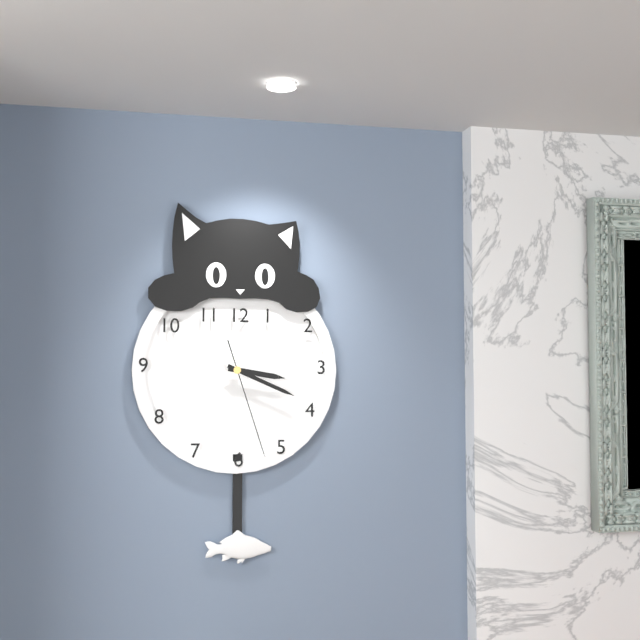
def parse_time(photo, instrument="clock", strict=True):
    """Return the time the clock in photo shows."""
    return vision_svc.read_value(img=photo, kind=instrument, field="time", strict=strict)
3:19:27
